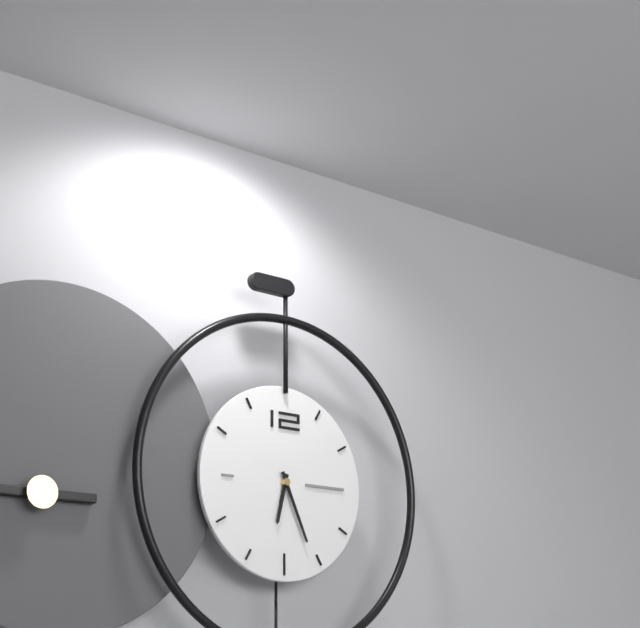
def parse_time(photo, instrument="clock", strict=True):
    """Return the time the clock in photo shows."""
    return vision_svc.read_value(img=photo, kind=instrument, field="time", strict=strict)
6:26
